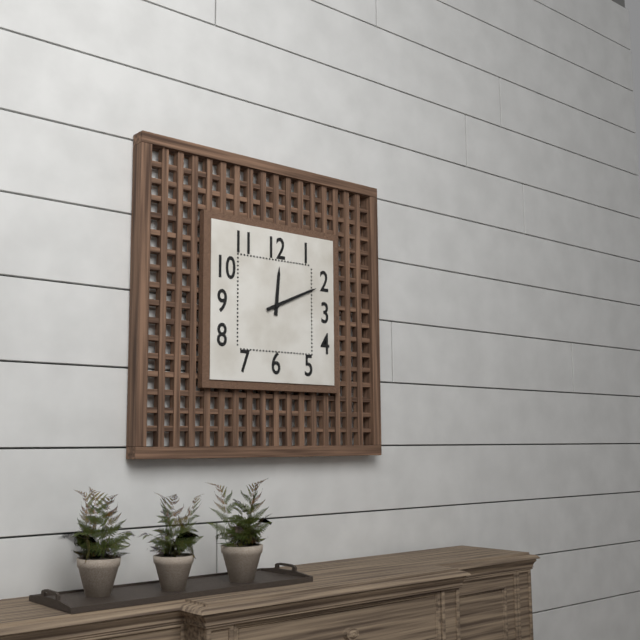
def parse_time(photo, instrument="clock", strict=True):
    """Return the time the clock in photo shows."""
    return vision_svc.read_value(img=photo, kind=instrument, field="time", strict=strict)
12:11
